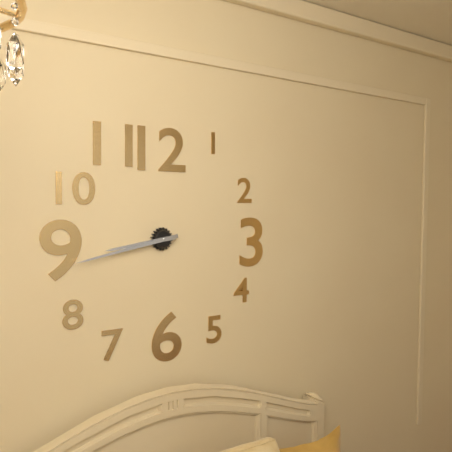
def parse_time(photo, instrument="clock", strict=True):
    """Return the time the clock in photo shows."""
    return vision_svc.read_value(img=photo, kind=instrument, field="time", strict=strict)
8:43
